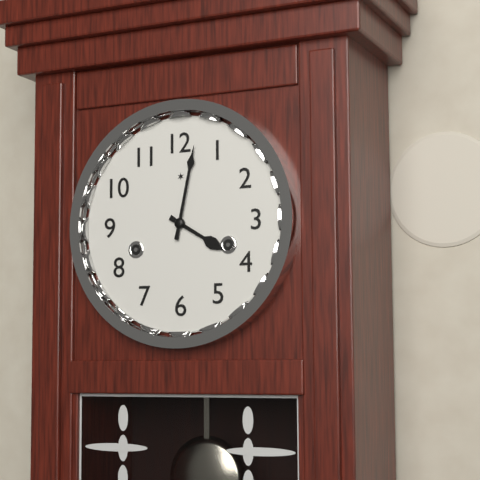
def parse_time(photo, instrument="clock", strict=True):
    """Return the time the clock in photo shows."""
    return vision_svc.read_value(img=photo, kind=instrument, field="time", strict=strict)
4:02
